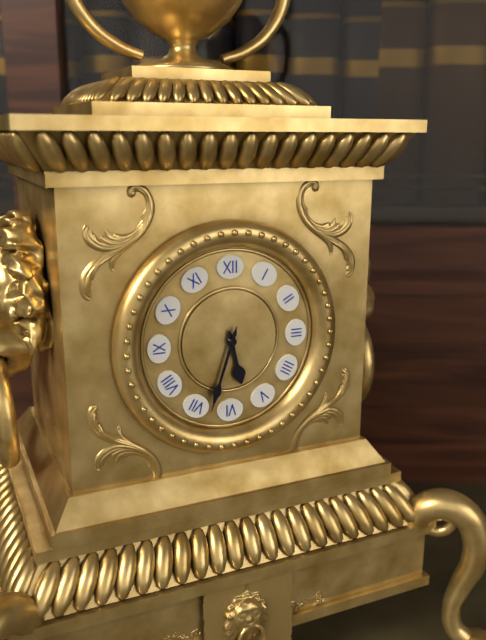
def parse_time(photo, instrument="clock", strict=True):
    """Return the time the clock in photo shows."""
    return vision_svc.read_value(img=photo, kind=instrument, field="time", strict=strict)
5:33
